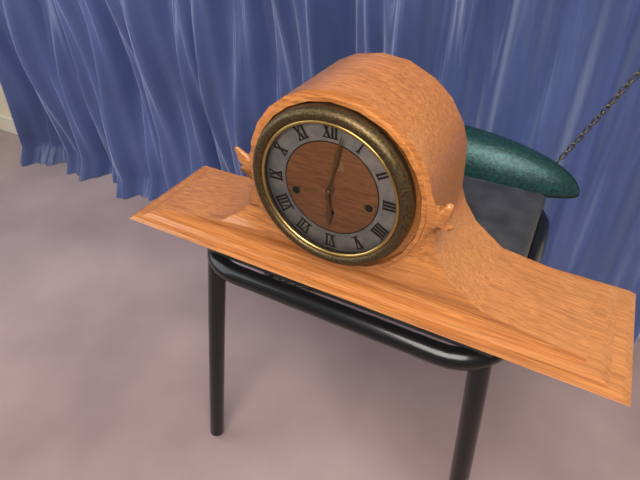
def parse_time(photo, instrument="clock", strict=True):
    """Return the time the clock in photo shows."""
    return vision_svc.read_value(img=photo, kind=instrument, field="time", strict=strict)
6:02
